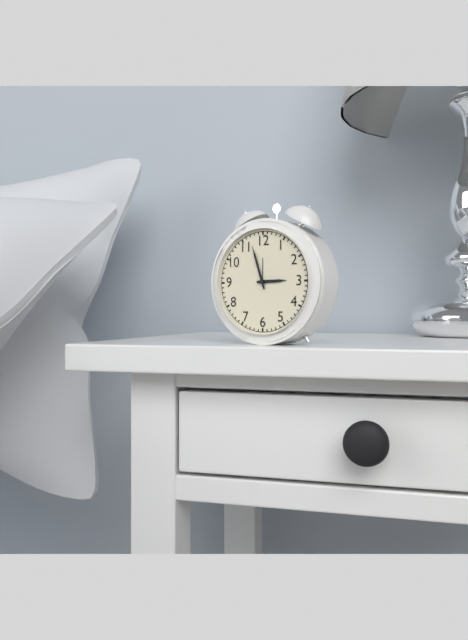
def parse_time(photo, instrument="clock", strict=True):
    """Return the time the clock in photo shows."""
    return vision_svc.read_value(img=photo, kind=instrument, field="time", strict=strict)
2:57
